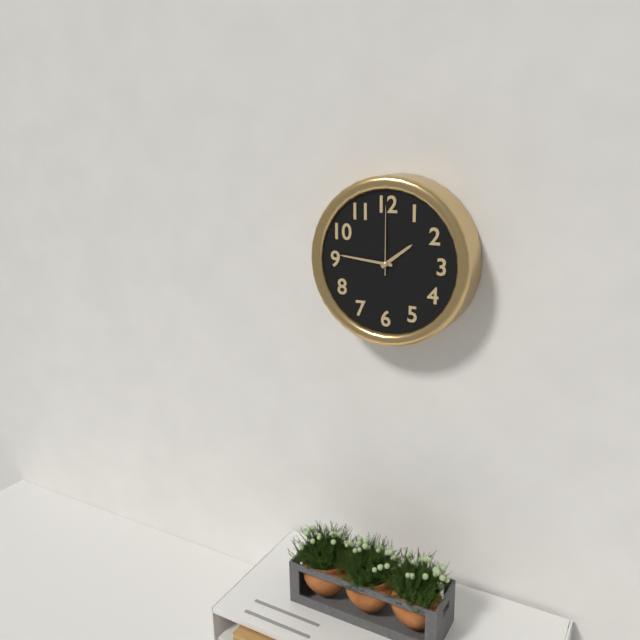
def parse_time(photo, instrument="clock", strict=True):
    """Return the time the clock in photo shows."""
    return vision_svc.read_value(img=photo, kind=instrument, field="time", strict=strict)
1:46:00
